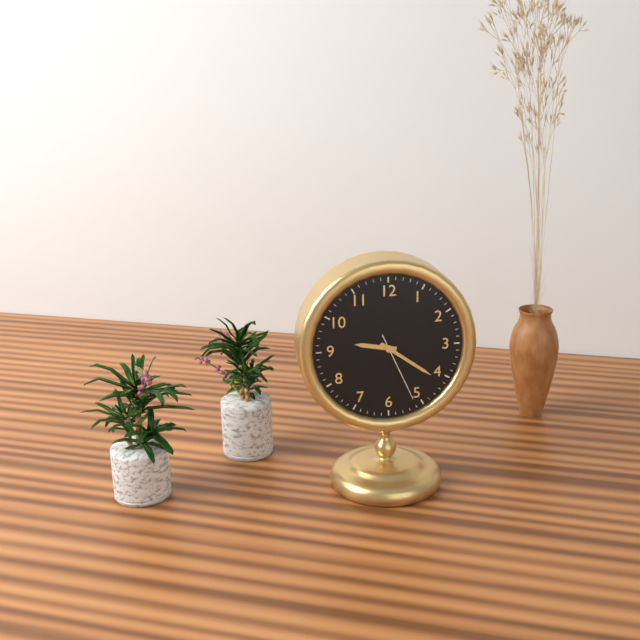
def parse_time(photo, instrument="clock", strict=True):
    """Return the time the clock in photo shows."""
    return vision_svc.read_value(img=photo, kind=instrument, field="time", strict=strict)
9:21:26
